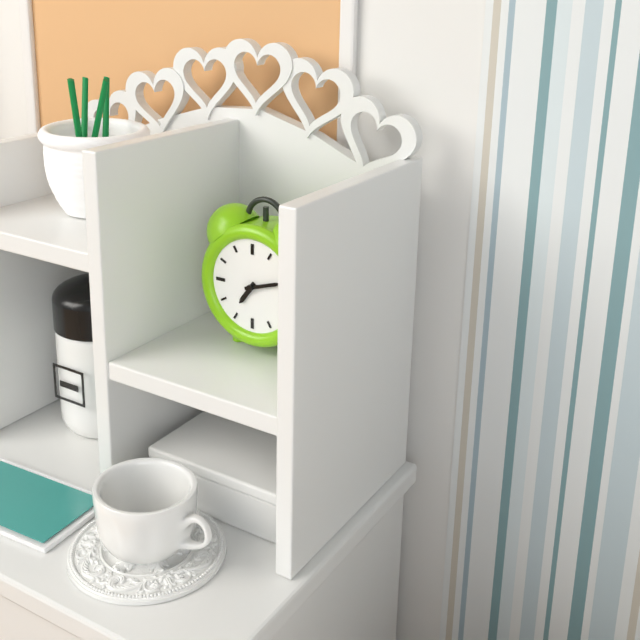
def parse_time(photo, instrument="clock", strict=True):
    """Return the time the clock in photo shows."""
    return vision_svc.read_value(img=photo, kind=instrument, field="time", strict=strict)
7:12
